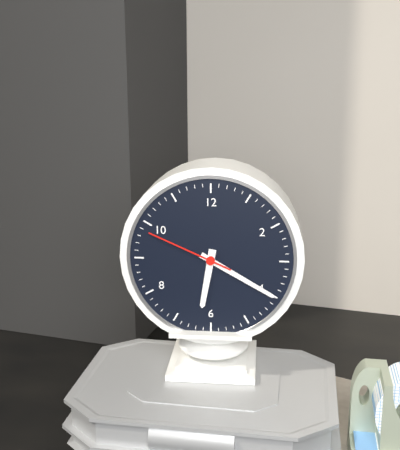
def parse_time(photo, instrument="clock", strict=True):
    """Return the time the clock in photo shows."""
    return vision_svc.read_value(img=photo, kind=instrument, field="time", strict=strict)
6:20:49
